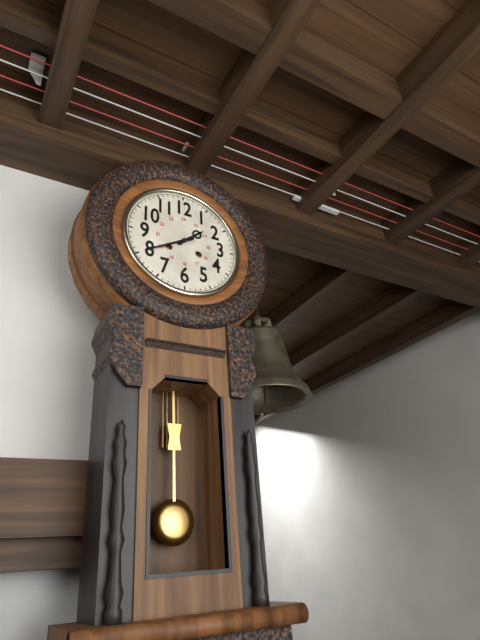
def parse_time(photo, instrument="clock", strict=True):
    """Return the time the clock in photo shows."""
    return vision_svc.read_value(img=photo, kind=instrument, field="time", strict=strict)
1:40
